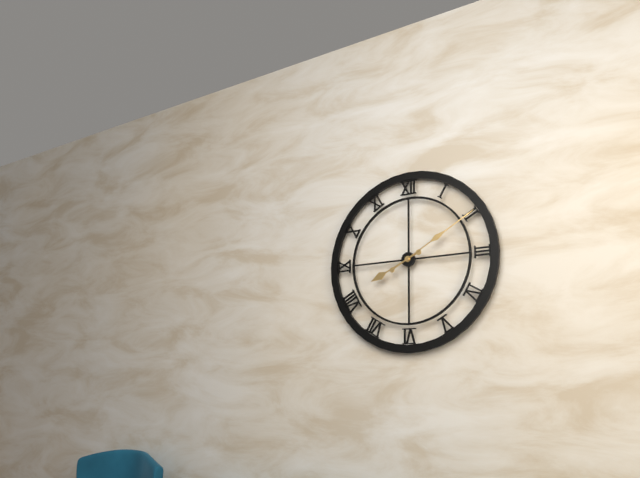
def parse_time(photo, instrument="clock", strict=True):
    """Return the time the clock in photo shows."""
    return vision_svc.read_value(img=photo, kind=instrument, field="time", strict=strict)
8:10
